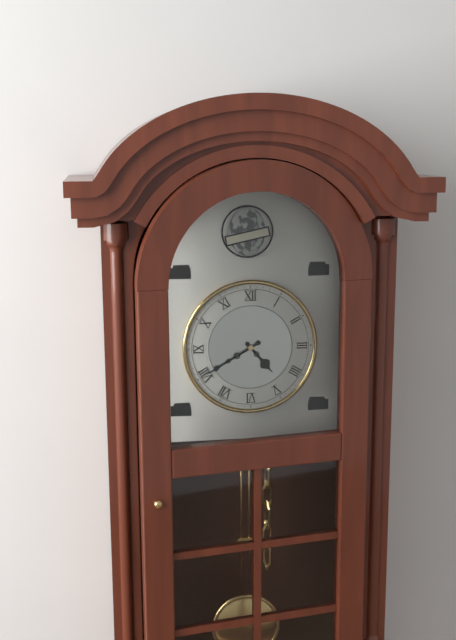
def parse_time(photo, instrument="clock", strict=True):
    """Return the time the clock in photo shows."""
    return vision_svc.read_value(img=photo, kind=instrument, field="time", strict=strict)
4:40
